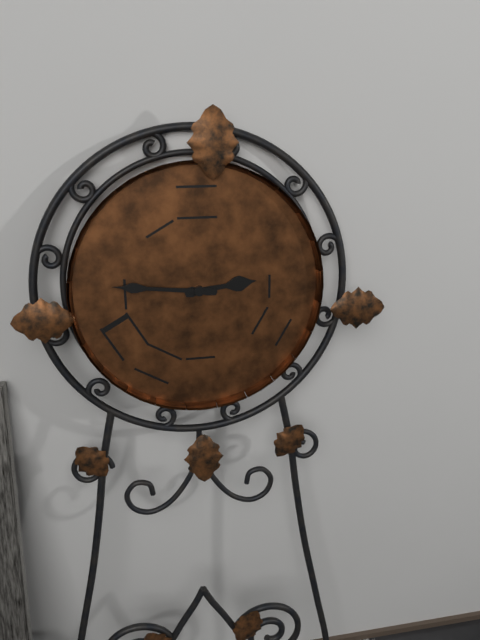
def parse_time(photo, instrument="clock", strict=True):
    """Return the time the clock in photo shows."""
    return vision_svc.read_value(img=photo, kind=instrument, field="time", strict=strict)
2:46
